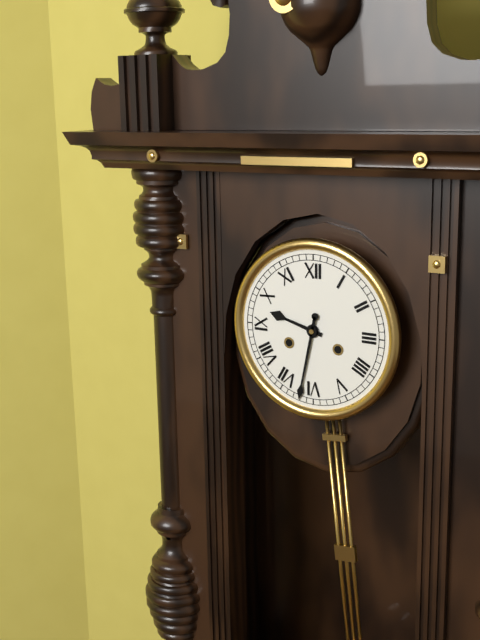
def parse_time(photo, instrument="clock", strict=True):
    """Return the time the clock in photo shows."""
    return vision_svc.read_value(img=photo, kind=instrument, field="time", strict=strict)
9:32
